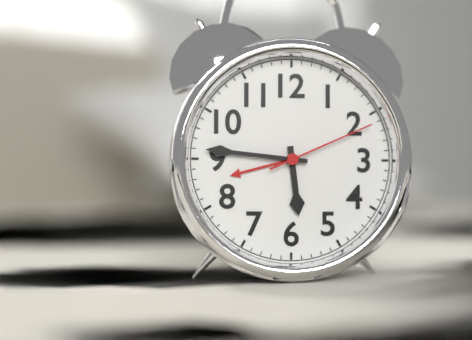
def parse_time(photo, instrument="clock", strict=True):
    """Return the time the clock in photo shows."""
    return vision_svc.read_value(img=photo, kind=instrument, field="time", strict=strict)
5:46:11
